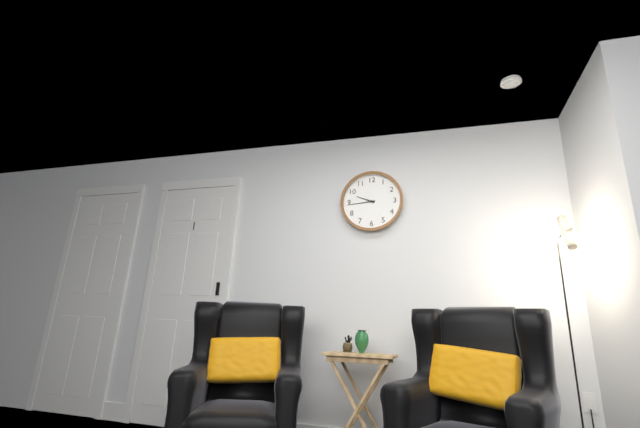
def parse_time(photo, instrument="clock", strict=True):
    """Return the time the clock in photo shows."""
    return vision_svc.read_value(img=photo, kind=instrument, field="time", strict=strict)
9:44
